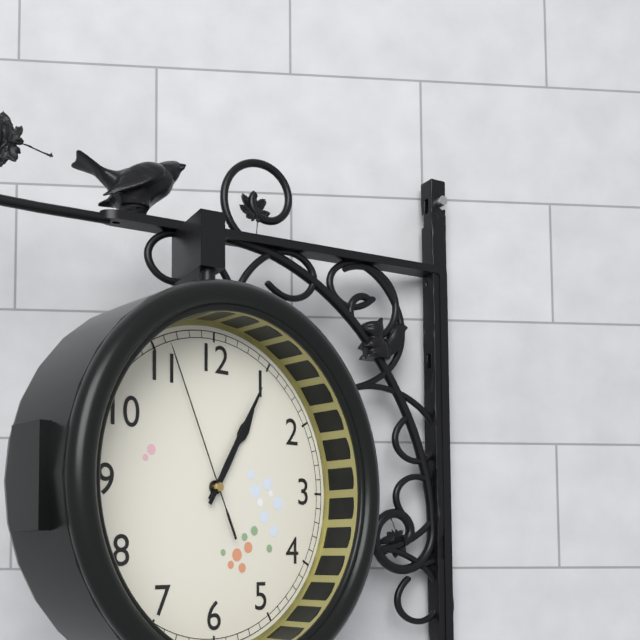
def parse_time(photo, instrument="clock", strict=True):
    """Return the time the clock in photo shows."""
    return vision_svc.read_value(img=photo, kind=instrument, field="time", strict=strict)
1:05:56
